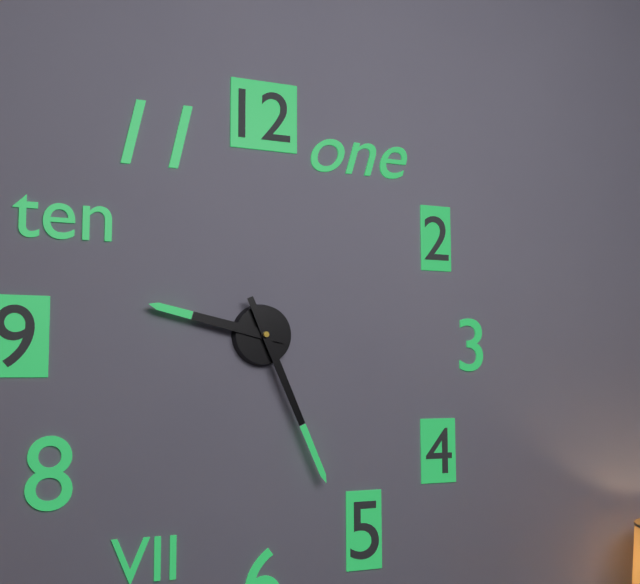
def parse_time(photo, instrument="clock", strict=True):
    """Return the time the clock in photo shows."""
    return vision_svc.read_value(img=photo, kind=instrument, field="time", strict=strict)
9:26
